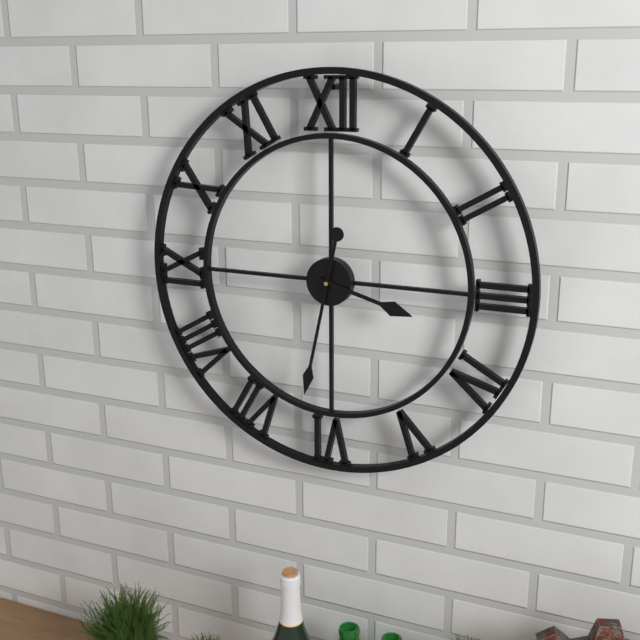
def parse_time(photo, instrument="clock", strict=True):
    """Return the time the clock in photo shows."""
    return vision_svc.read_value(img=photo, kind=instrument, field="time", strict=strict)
3:32
